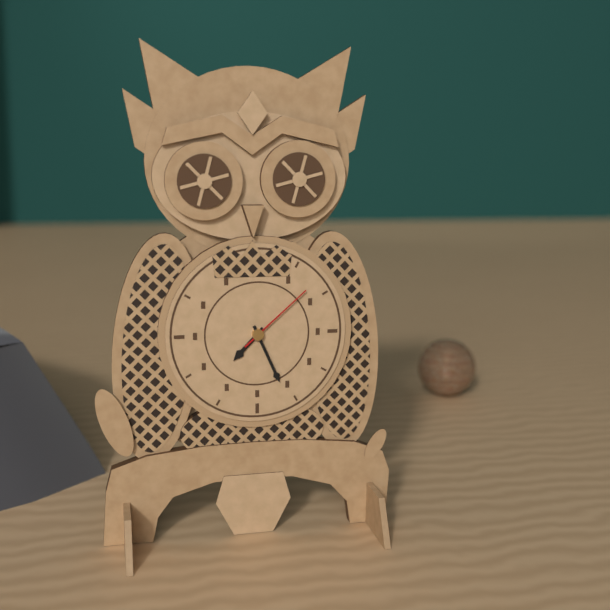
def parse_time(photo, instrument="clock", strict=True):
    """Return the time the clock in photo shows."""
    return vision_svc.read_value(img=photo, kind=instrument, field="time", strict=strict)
7:26:08
